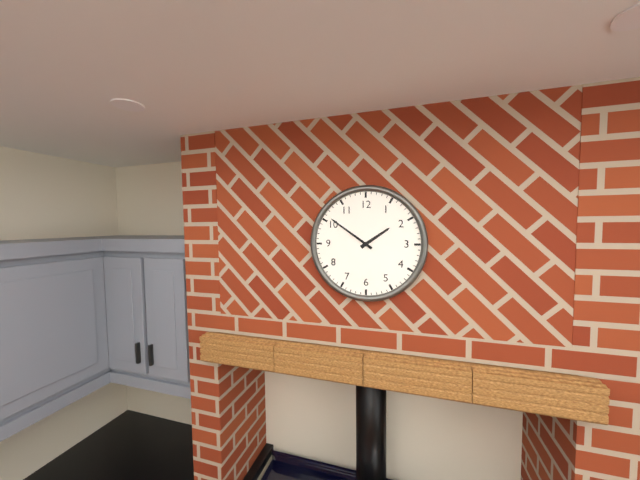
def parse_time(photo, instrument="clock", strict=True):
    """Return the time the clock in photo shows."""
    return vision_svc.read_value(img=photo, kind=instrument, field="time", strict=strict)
1:51
